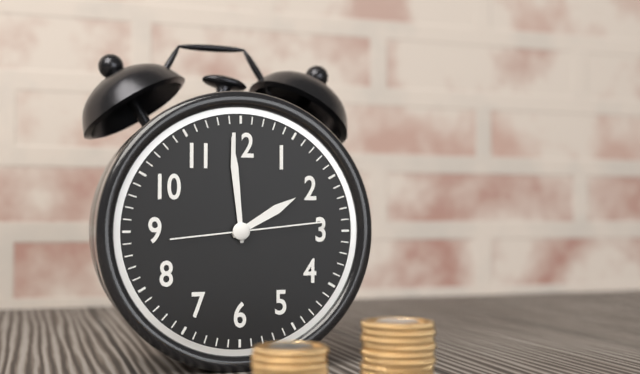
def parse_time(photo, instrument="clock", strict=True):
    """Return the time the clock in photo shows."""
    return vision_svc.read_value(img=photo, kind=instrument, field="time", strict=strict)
1:59:14
